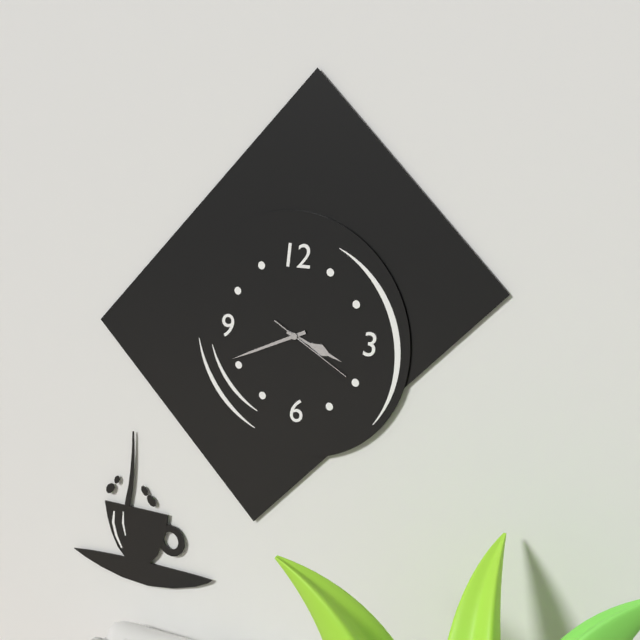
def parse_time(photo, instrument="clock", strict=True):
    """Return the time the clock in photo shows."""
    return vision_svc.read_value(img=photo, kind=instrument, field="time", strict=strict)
3:41:20
